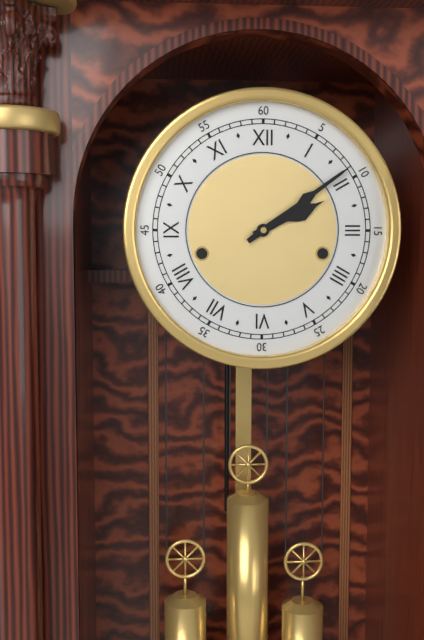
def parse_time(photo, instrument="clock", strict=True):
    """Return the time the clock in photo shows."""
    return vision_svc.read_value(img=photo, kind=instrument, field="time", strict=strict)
2:09
